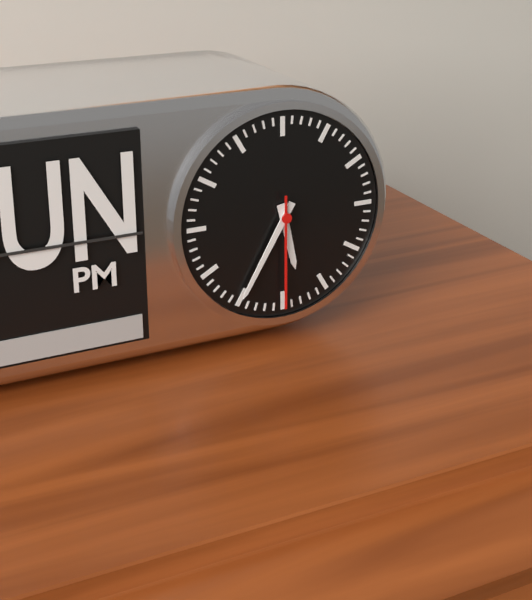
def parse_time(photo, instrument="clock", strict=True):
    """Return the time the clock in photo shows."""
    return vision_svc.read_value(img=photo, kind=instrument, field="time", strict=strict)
5:35:30
